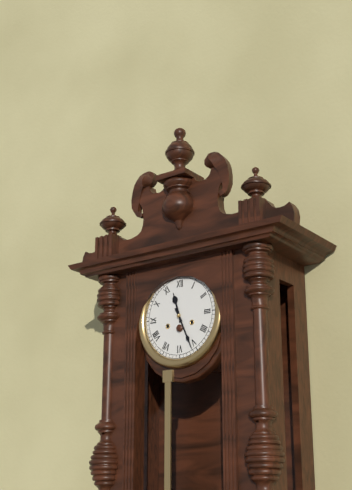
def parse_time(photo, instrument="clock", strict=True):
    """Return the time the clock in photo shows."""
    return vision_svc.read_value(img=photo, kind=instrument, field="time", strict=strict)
11:26
